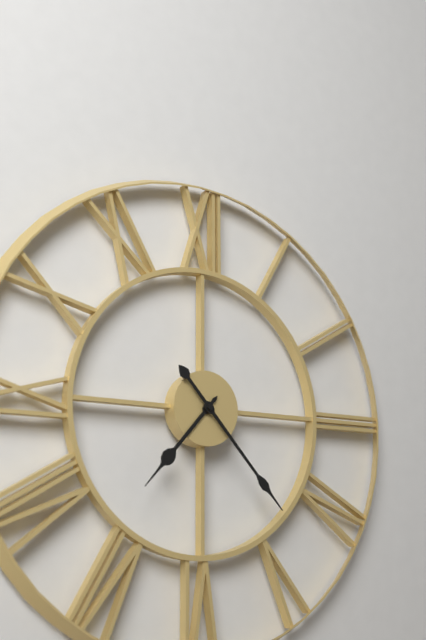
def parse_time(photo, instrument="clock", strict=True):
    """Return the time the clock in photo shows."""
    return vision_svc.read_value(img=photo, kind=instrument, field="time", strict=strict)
7:23
